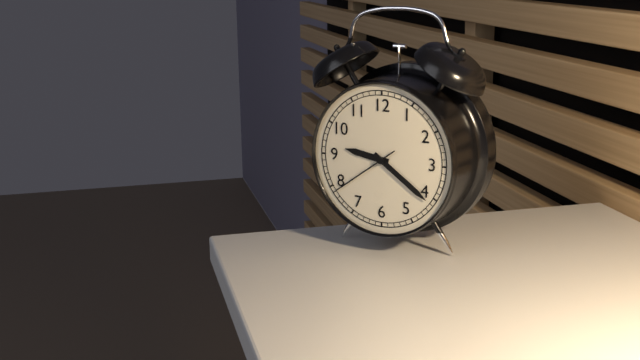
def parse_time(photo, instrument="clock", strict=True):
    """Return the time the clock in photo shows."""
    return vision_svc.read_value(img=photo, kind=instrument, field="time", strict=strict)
9:21:39
